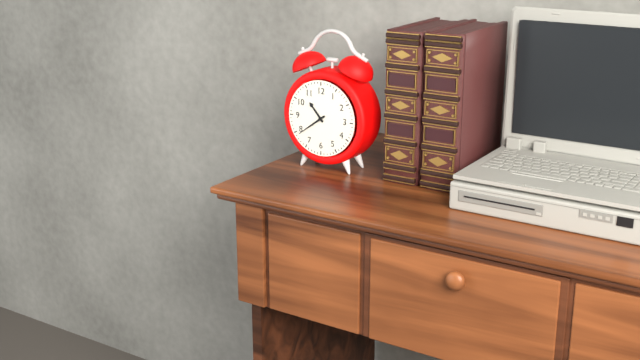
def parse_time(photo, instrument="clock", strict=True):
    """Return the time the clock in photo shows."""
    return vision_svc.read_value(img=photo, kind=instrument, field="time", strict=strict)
10:39
